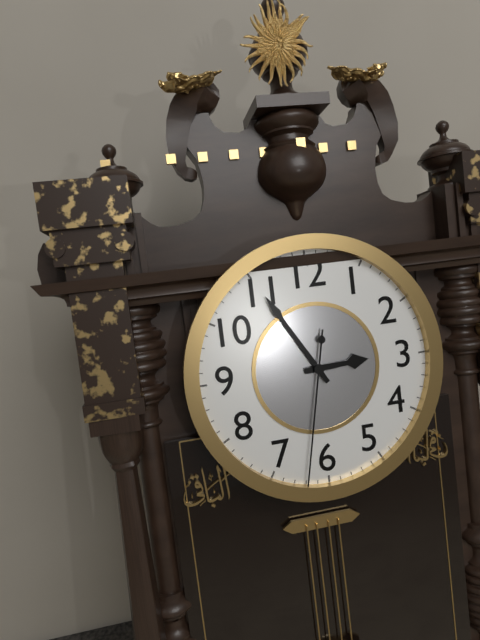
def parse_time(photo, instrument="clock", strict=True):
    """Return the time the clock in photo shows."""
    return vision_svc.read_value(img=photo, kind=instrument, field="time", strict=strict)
2:55:32
